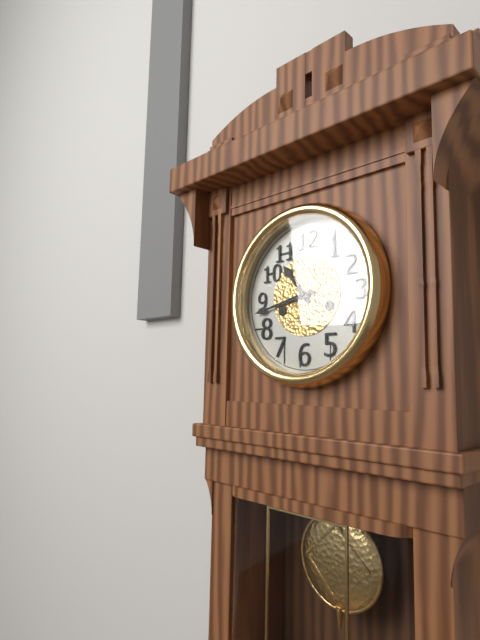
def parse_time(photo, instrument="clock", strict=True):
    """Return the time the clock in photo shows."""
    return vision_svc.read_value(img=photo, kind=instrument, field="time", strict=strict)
10:43
